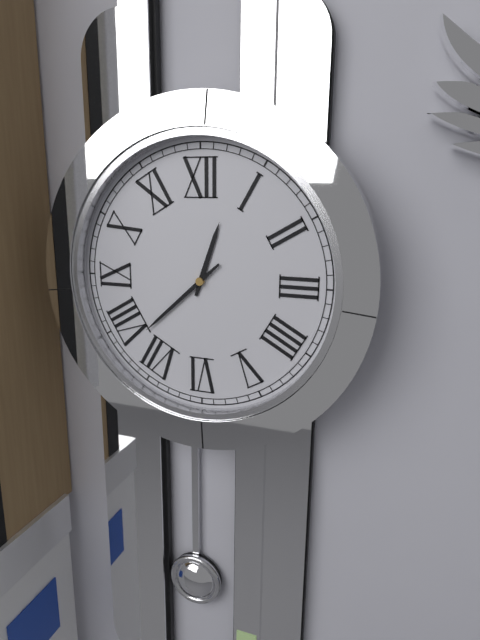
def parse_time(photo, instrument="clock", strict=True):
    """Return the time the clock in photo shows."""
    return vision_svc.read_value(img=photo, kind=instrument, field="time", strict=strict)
12:38
